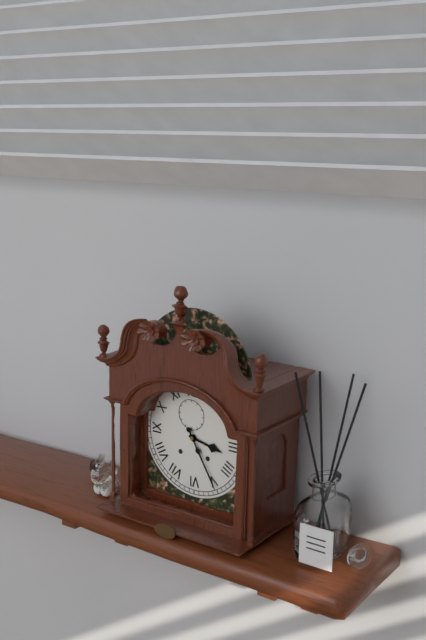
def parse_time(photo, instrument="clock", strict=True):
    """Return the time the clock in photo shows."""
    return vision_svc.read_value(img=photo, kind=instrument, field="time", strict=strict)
3:25
